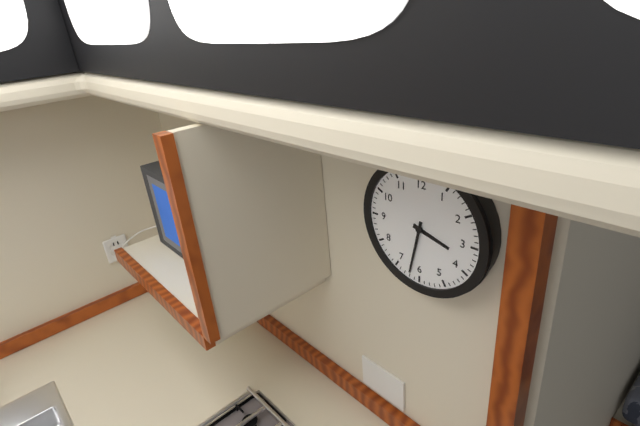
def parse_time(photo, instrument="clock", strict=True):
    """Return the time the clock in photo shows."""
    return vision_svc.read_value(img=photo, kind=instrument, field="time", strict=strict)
3:32
